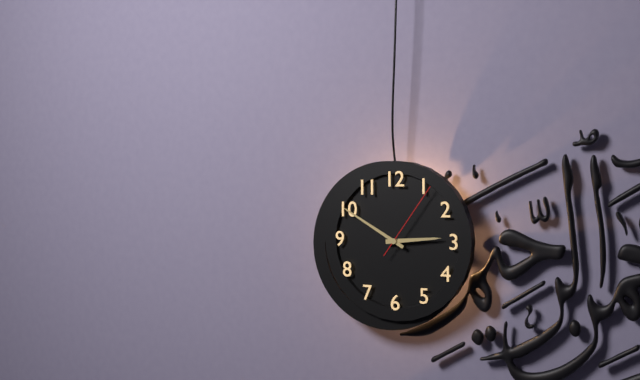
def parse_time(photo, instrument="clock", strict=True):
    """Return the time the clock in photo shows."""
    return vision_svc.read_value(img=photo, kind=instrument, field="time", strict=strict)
2:50:06
